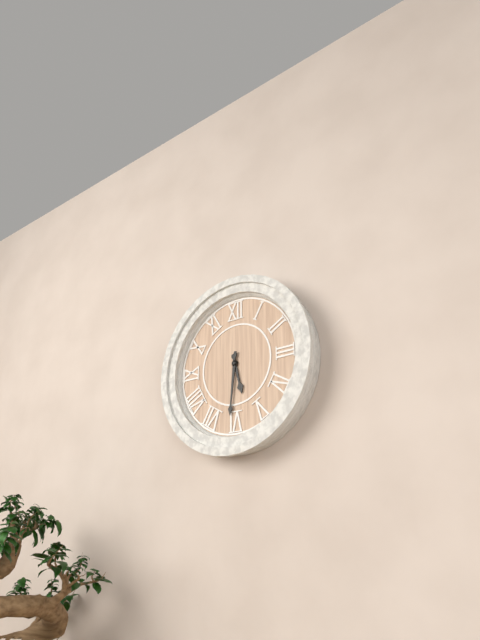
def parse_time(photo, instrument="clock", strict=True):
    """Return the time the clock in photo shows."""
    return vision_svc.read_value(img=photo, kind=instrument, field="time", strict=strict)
5:31
